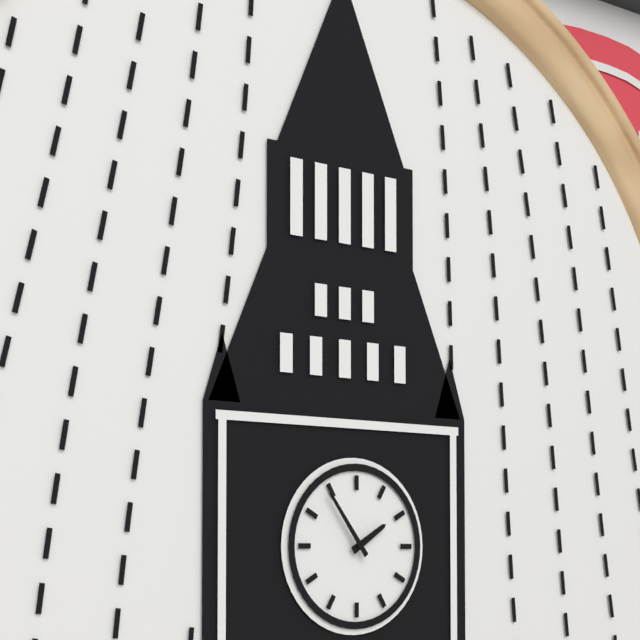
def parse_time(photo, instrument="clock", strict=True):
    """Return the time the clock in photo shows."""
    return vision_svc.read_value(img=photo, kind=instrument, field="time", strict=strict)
1:54
